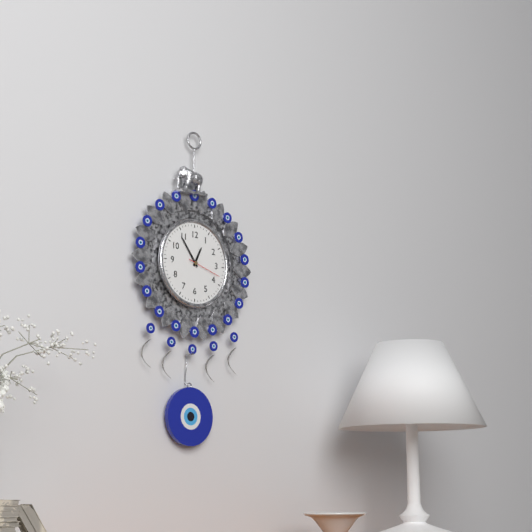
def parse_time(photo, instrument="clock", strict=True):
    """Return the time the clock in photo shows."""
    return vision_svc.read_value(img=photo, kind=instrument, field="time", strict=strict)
12:54
